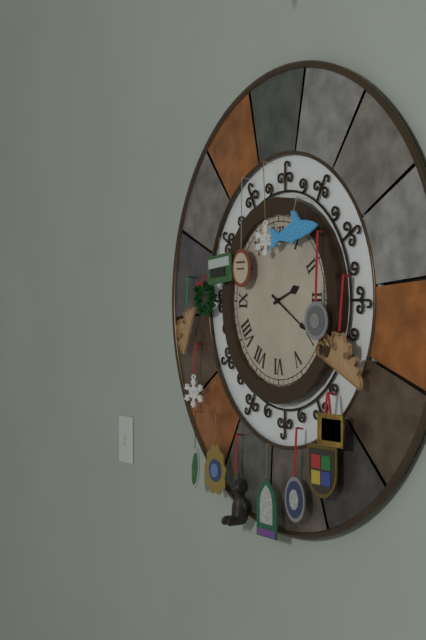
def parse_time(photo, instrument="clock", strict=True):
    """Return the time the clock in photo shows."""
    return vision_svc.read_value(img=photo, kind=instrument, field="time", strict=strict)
2:20
